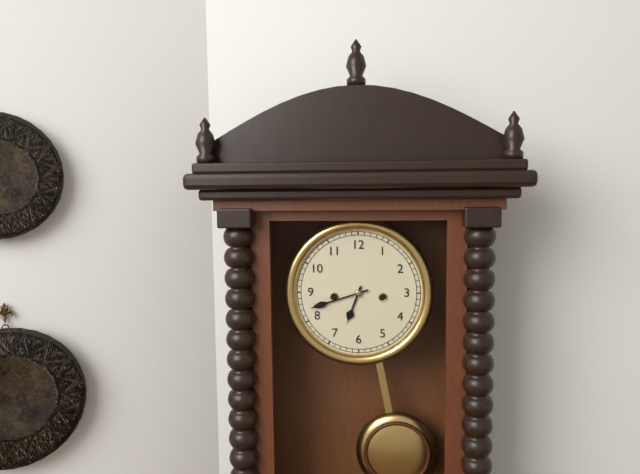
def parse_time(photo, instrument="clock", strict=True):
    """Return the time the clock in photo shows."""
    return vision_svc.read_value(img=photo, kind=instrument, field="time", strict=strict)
6:42
